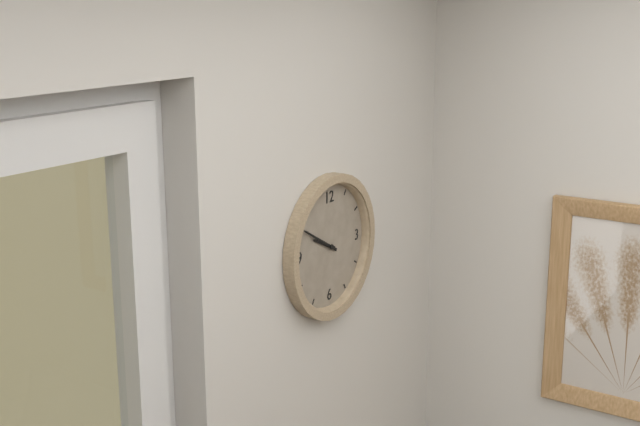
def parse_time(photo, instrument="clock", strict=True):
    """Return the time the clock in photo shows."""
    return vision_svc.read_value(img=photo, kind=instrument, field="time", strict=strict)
9:50
